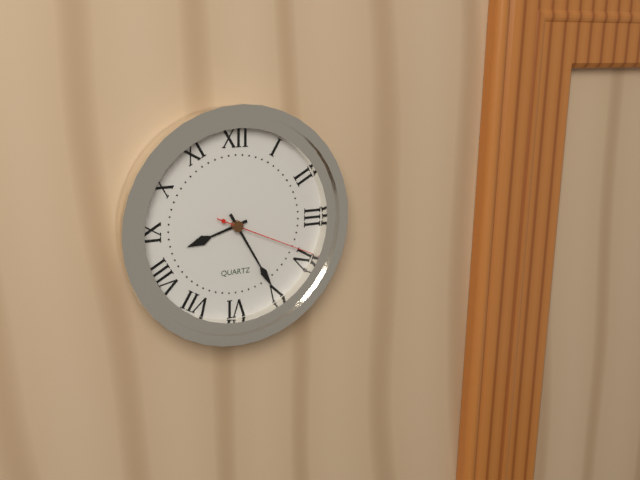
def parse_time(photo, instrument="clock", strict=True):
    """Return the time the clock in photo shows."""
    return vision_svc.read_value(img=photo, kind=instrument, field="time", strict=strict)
8:25:19
